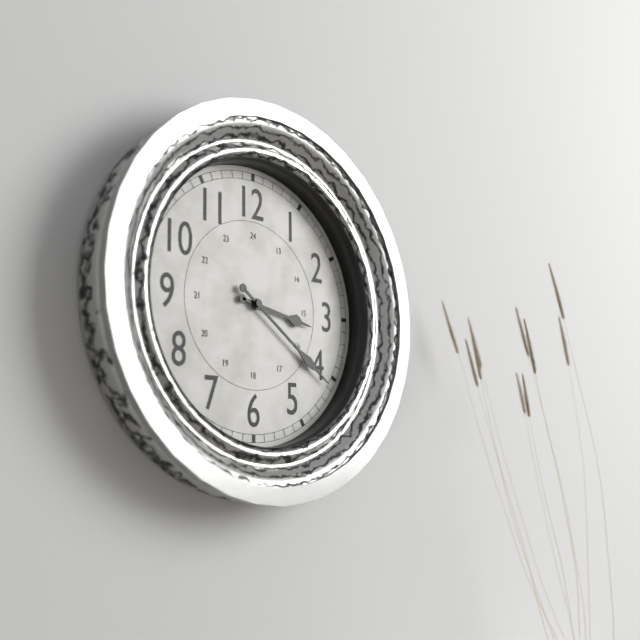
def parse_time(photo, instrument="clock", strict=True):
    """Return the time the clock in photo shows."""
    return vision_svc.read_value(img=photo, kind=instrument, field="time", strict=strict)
3:21
